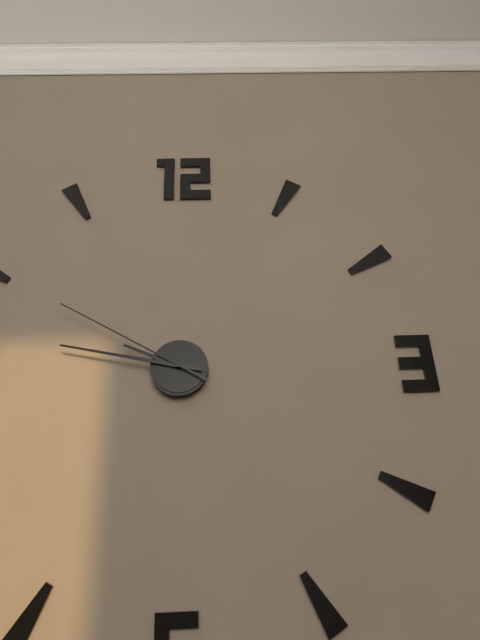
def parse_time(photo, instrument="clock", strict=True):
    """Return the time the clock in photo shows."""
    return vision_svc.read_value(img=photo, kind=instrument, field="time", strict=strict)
9:47:50
